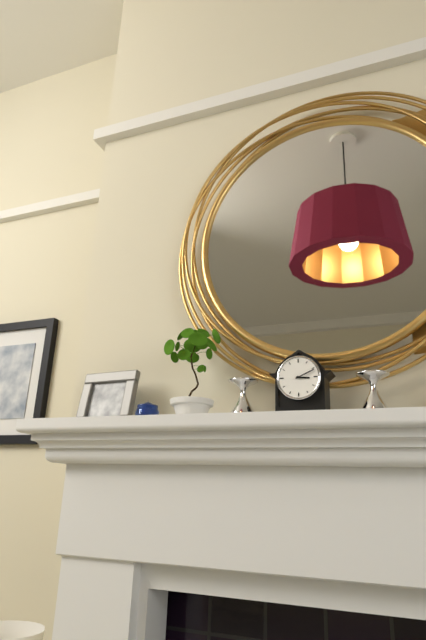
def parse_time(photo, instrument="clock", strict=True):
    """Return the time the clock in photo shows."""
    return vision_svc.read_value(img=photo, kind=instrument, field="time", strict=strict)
3:11
